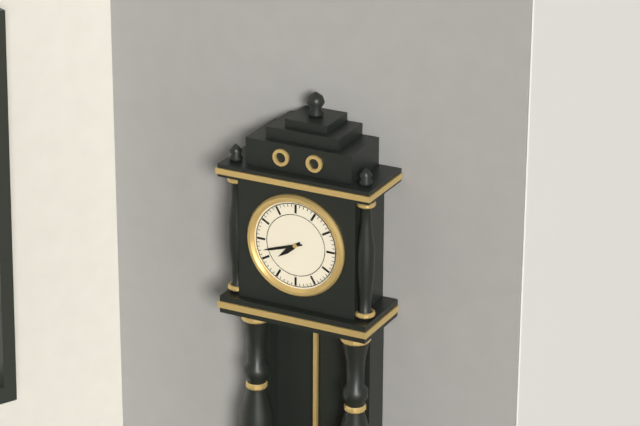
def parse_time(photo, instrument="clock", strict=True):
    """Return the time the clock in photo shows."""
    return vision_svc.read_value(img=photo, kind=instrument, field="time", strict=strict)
7:42
